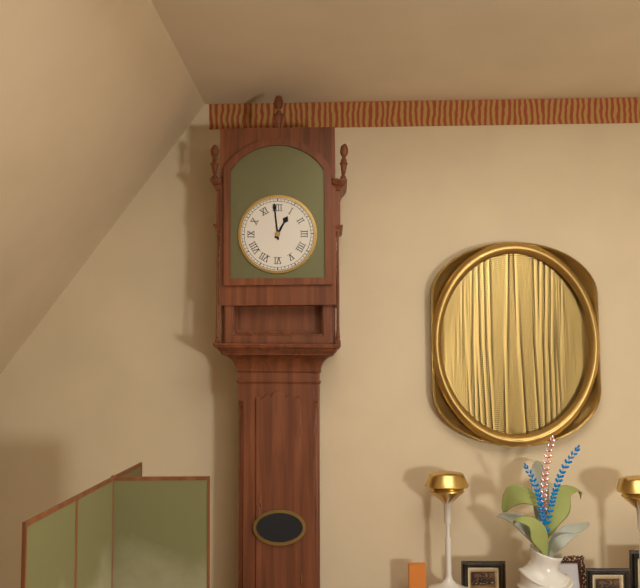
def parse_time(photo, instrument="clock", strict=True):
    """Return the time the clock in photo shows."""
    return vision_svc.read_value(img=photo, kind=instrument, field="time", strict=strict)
12:59
